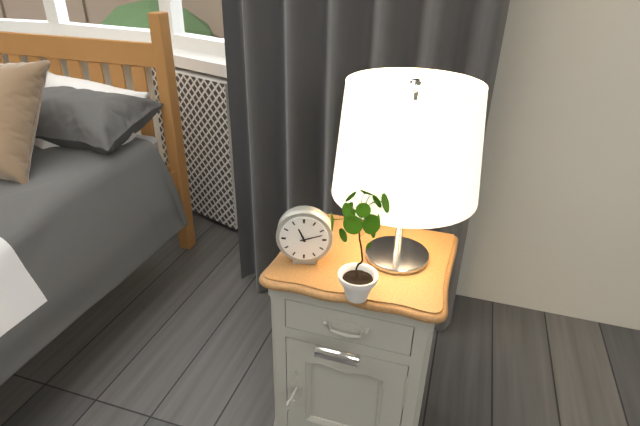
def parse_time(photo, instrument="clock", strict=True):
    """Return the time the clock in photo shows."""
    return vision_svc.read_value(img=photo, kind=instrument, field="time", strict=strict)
11:12
